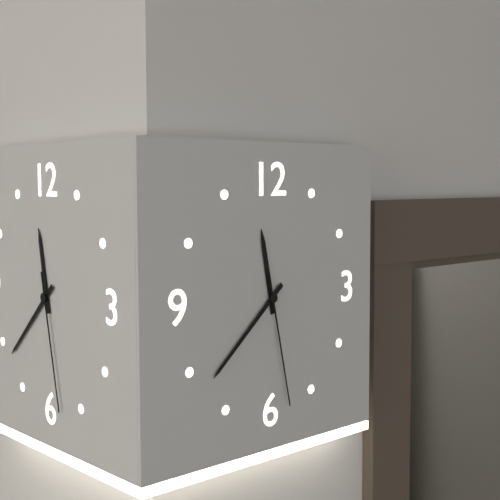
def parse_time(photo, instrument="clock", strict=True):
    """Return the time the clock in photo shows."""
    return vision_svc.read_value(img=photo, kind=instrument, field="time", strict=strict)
11:38:28
